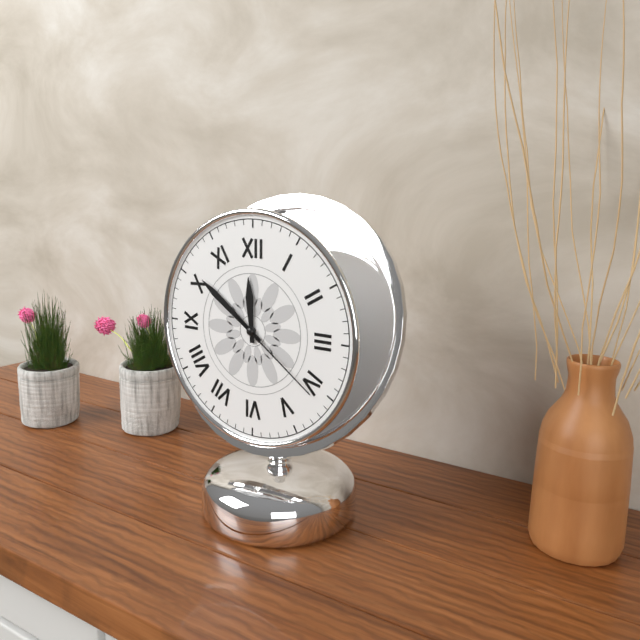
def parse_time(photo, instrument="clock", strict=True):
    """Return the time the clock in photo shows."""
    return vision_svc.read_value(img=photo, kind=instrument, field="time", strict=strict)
11:51:21
